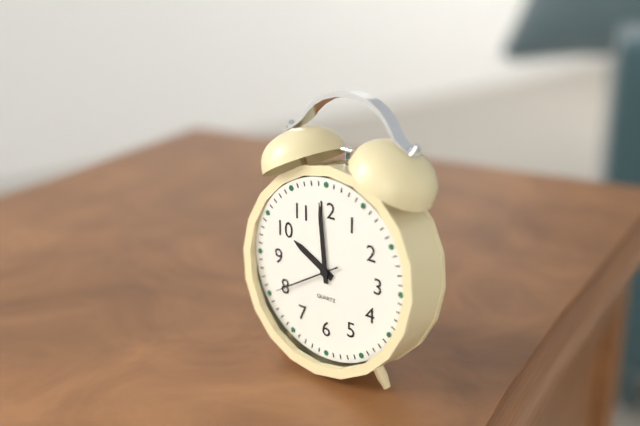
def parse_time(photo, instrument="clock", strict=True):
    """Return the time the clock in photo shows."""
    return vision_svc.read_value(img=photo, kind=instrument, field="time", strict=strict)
9:59:40
